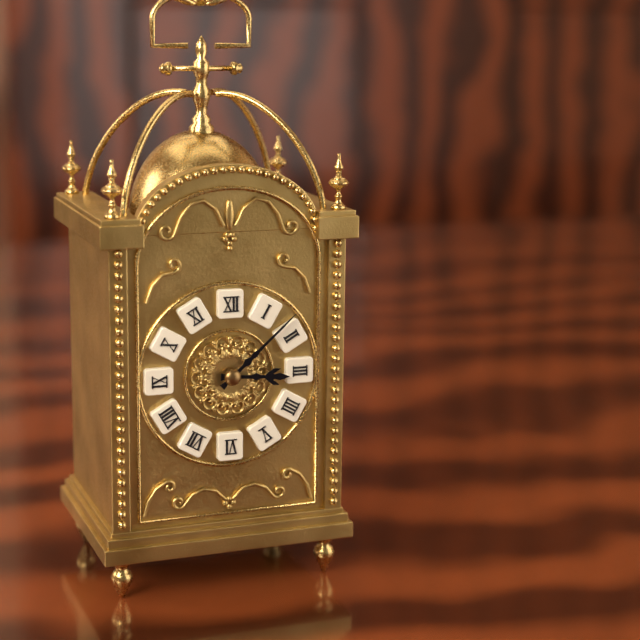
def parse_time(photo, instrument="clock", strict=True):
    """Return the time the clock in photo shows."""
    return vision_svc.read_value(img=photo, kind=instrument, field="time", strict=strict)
3:08
